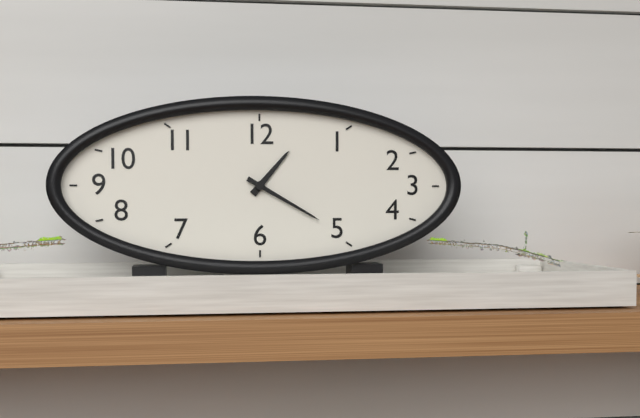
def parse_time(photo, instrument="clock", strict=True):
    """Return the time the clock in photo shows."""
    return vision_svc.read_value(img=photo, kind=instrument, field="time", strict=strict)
1:20
